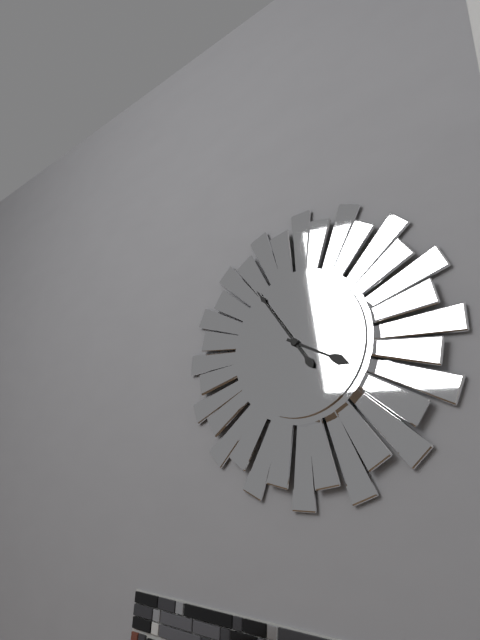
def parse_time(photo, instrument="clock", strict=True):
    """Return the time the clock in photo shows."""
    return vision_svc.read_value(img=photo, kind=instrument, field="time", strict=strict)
3:54
